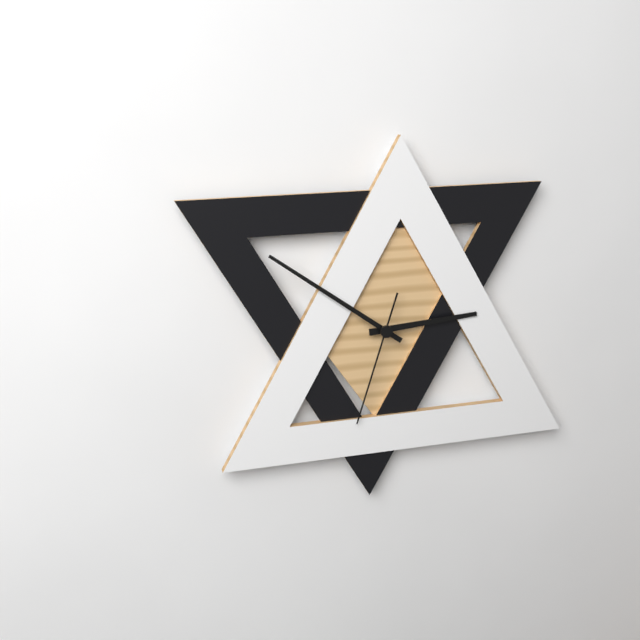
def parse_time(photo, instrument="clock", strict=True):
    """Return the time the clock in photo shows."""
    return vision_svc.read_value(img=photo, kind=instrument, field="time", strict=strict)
2:51:33
